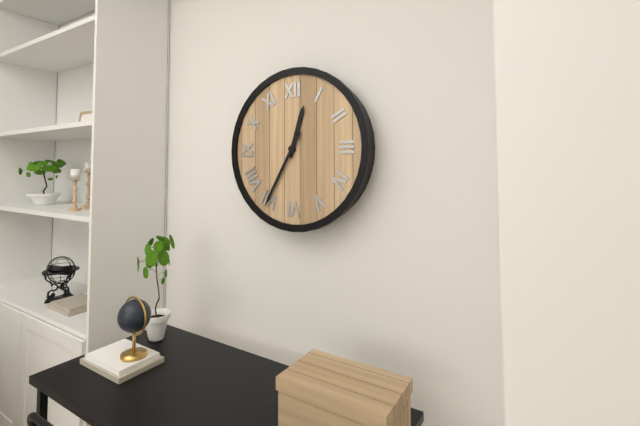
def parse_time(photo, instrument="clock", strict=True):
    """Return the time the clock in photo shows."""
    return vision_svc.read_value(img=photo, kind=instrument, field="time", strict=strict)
12:35
